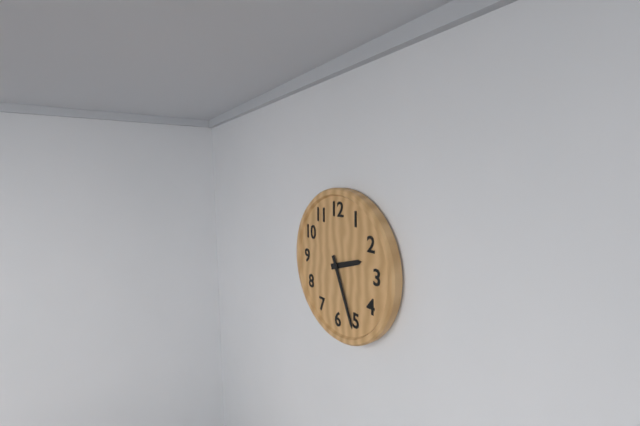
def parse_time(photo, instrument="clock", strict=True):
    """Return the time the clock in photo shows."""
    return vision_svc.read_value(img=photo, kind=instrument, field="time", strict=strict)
2:26
